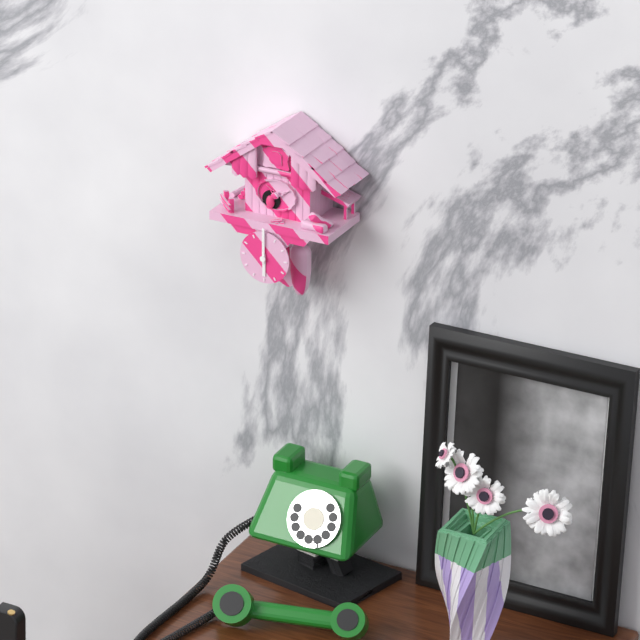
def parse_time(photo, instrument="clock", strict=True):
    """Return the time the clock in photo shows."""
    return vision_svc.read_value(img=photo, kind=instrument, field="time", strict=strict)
6:00
